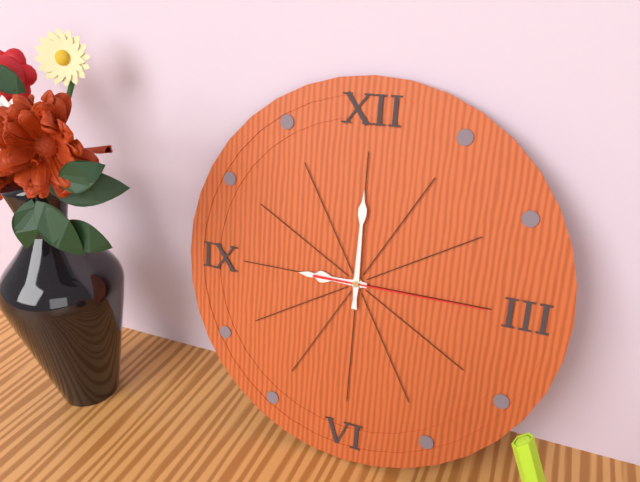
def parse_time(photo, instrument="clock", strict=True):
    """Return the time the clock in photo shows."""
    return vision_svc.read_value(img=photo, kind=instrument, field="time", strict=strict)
9:00:15
